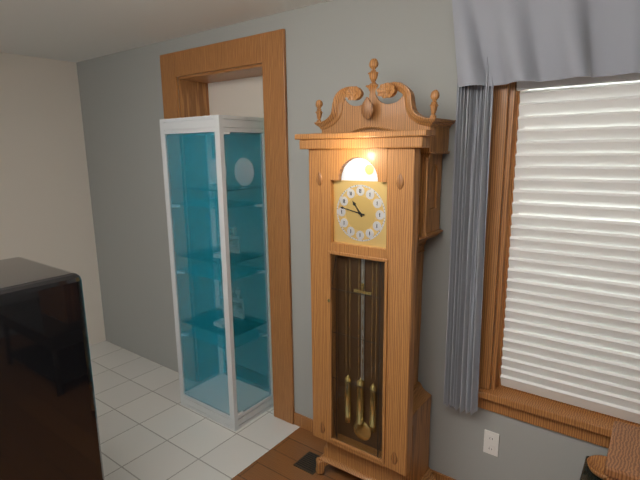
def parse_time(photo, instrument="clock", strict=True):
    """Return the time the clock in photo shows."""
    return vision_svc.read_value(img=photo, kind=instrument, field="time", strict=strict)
10:47
